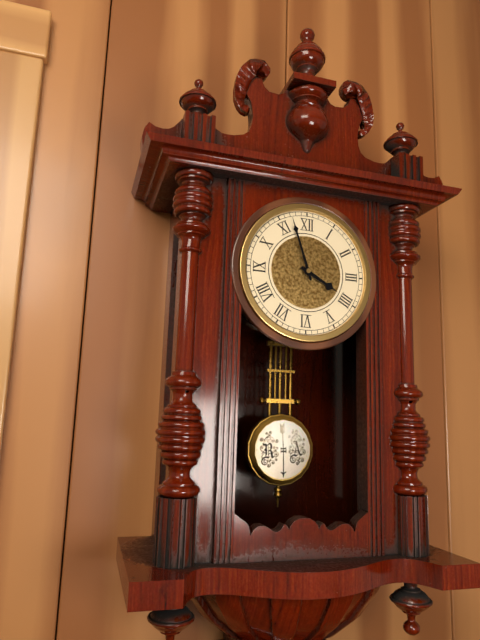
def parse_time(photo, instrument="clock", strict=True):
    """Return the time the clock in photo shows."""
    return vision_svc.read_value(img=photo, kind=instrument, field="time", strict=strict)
3:57
